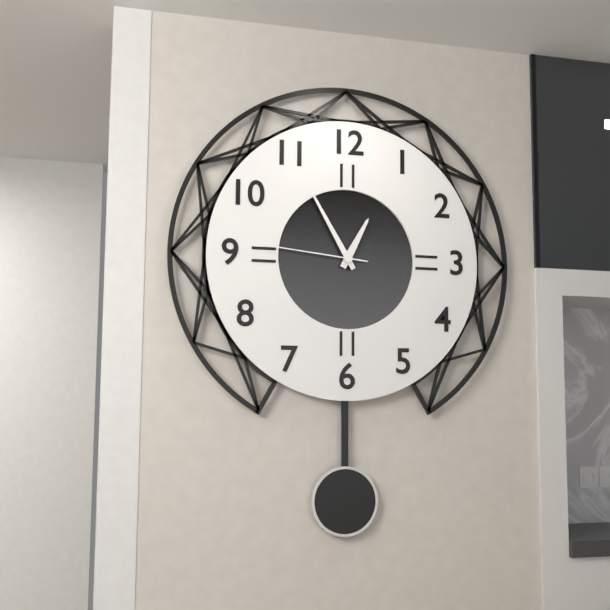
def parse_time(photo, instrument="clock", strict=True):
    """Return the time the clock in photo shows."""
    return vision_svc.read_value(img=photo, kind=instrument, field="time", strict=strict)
12:55:46
